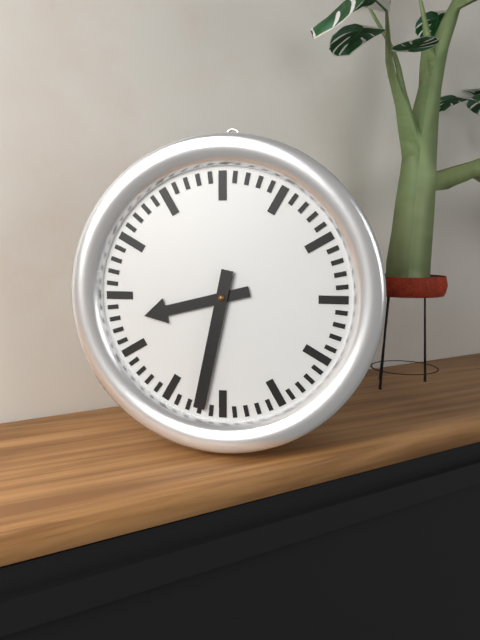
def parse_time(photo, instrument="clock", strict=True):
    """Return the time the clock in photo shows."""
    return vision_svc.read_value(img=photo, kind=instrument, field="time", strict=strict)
8:32
